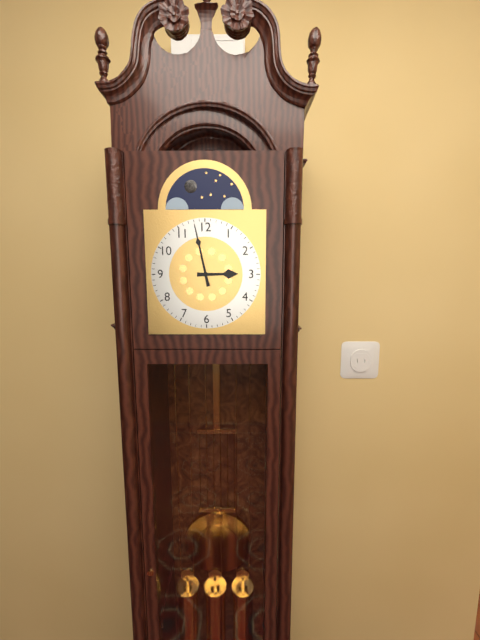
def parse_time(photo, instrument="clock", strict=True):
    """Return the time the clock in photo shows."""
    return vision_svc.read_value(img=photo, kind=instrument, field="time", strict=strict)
2:58
